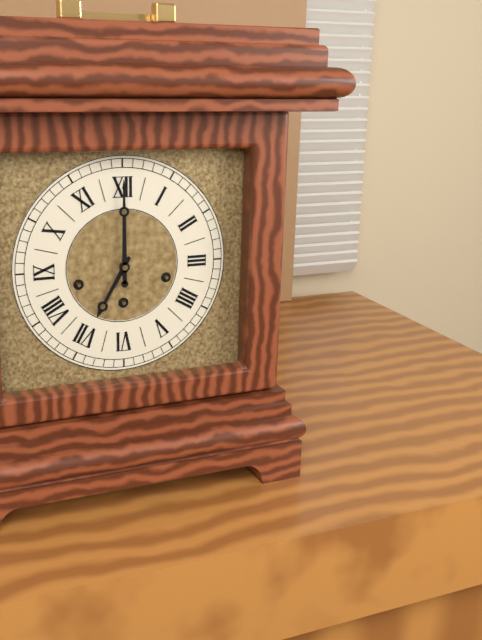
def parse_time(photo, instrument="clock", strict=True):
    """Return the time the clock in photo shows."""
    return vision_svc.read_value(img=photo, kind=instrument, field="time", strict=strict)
7:00
